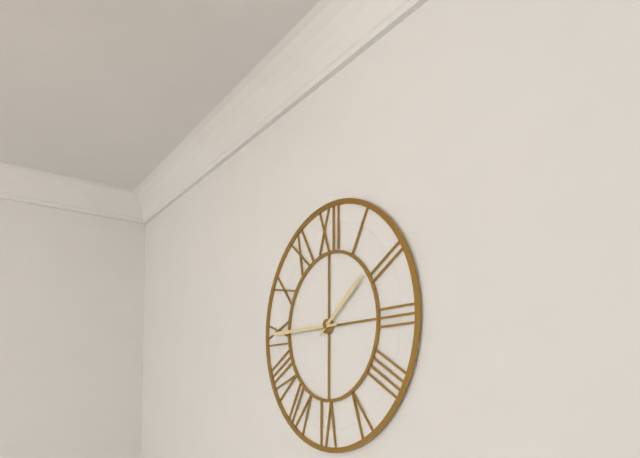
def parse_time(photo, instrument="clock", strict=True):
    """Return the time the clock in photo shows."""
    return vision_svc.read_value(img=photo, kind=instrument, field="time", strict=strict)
1:45
